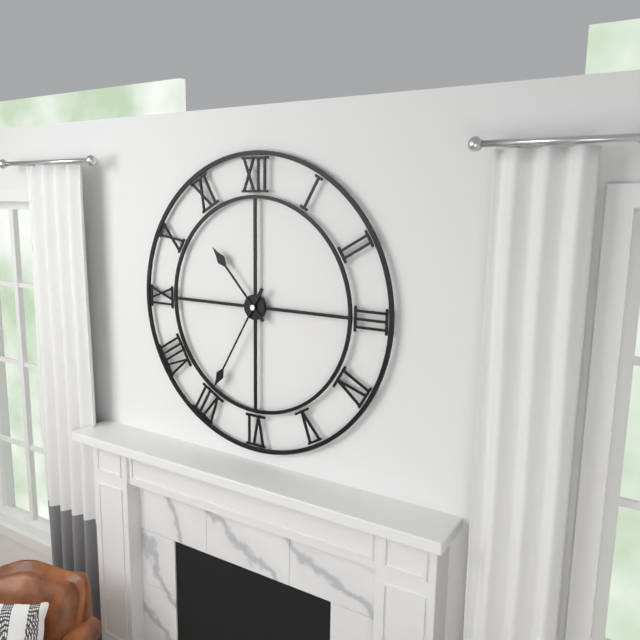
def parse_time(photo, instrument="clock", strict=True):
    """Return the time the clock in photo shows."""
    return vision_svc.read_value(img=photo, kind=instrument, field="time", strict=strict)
10:35
